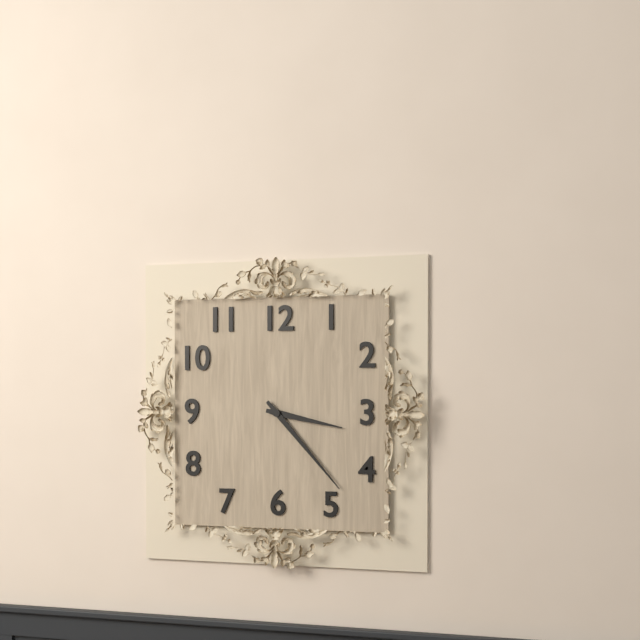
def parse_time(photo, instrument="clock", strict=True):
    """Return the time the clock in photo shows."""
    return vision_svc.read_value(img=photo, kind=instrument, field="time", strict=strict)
3:23
